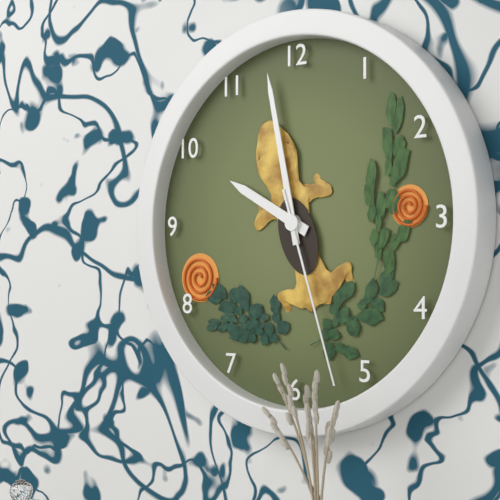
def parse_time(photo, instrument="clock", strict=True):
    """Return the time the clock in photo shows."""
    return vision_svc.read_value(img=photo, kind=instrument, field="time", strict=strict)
9:58:27
